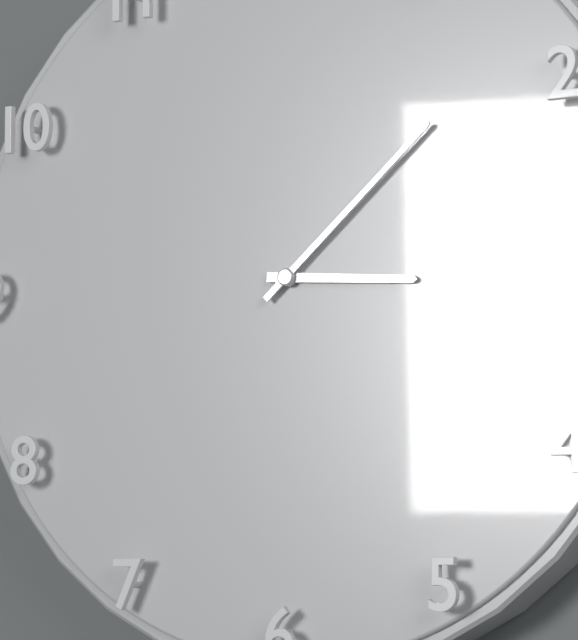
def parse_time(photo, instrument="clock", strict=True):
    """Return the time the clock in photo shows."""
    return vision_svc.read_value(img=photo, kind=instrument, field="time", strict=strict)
3:08
